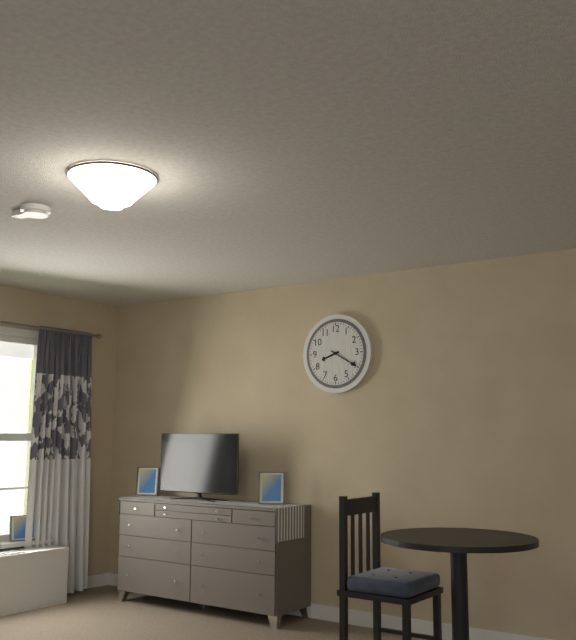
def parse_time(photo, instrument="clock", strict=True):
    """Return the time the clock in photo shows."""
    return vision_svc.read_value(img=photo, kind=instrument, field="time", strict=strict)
8:20
